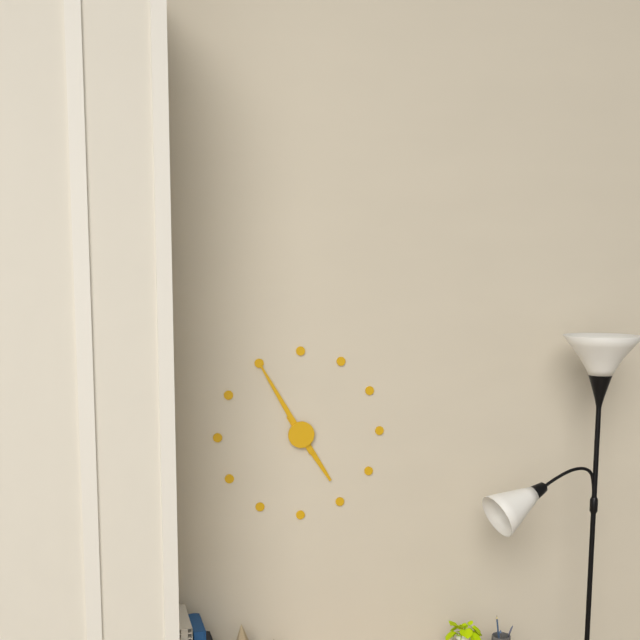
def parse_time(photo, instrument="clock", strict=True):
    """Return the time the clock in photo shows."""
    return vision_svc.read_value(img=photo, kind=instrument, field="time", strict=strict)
4:55
